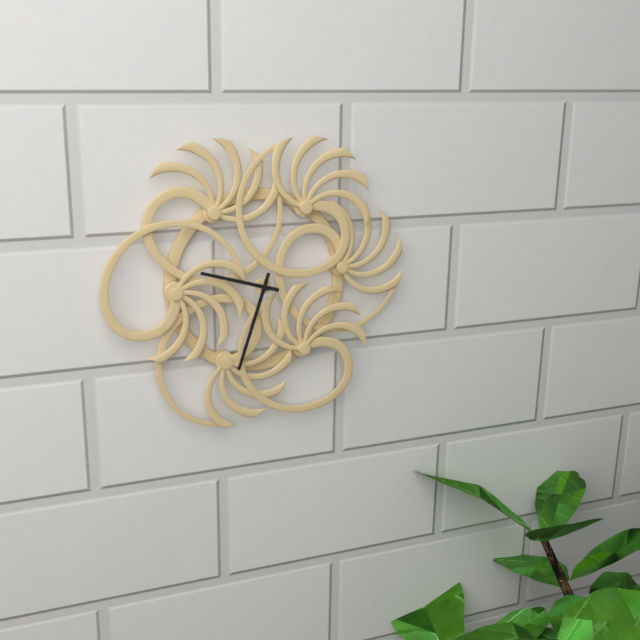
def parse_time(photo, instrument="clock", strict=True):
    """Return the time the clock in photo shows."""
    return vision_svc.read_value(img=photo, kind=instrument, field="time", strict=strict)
9:33
